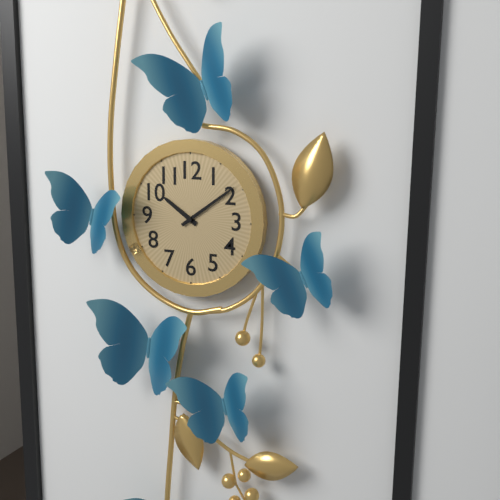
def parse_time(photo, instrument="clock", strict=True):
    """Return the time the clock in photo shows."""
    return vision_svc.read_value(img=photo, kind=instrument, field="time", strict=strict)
10:09
